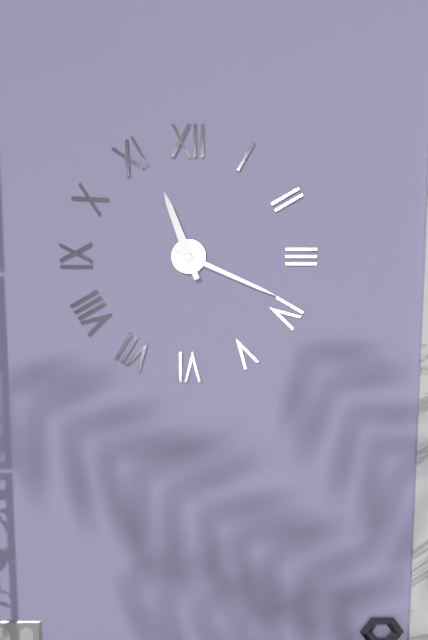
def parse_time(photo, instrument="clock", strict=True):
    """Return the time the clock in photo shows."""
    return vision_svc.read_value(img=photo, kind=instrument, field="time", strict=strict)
11:19
